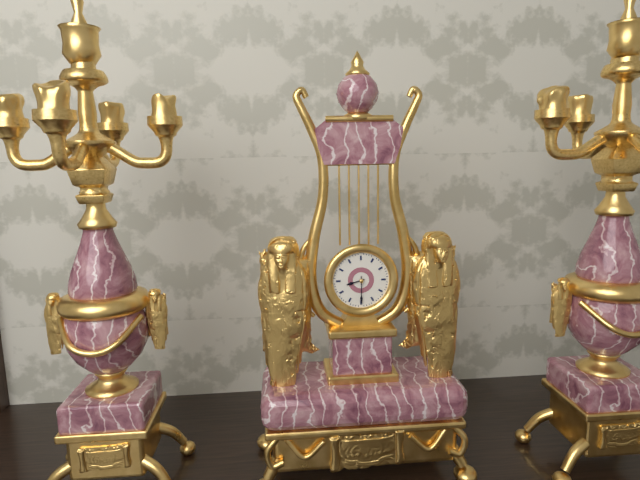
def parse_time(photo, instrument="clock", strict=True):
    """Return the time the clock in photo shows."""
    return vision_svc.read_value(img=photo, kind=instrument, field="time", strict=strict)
8:30
